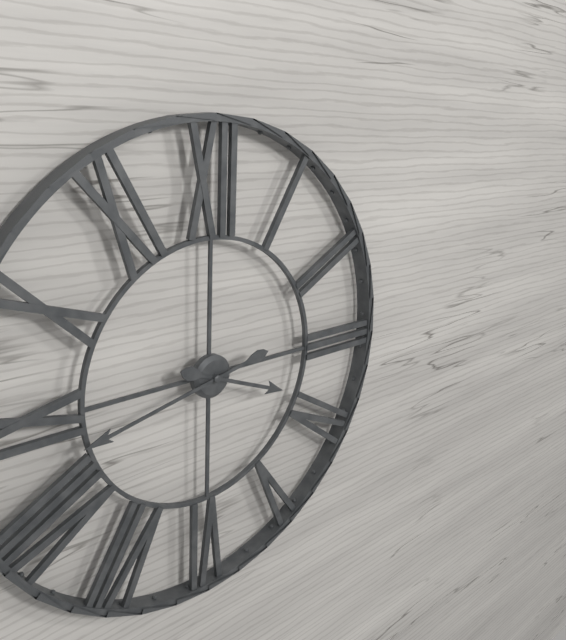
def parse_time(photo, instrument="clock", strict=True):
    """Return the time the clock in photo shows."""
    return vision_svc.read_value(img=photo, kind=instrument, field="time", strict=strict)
3:43
